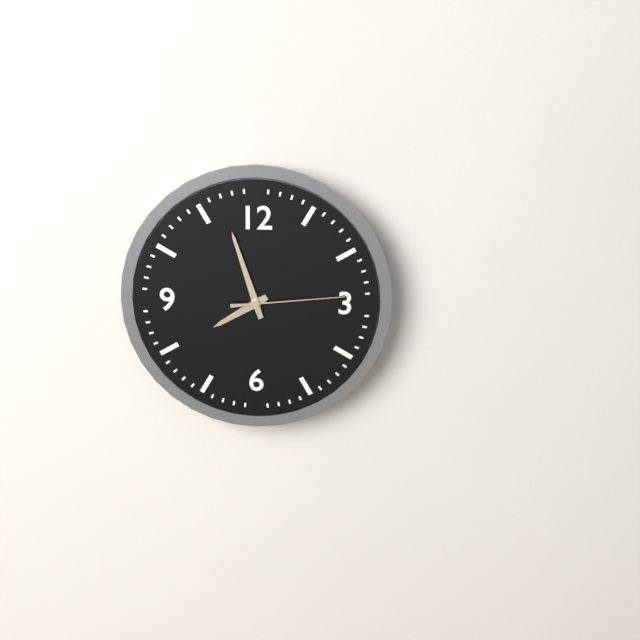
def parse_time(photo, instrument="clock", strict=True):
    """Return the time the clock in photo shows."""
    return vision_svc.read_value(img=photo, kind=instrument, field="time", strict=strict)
7:57:14
